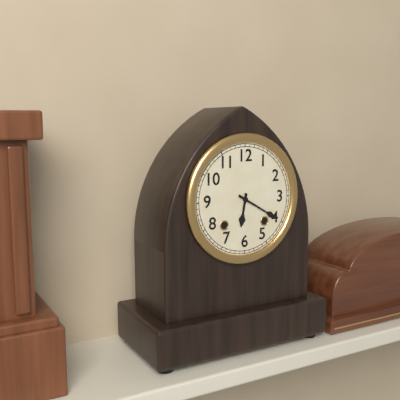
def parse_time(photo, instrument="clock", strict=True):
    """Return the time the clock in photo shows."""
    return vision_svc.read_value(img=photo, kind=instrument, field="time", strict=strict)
6:20
